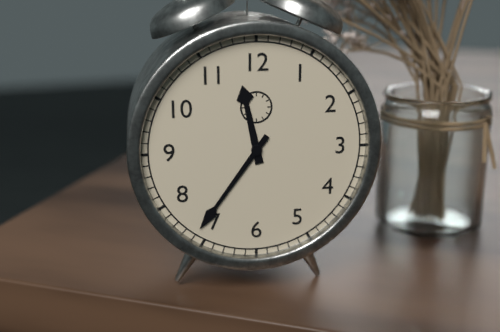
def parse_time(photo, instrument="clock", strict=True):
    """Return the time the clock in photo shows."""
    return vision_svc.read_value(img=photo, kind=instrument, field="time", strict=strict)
11:36
